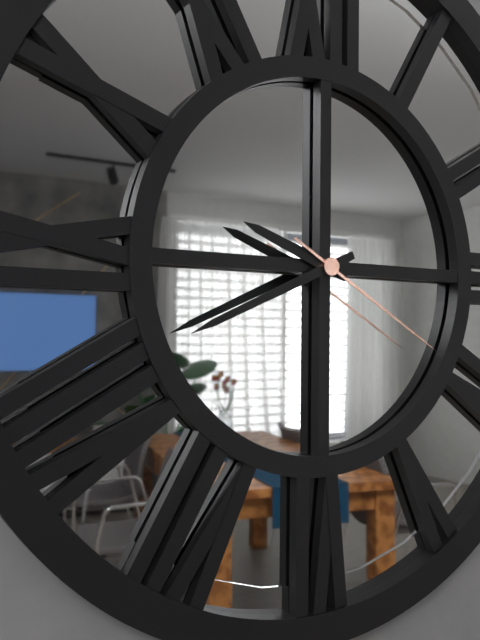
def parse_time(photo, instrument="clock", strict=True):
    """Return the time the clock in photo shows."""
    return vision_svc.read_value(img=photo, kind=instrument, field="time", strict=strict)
9:41:20
